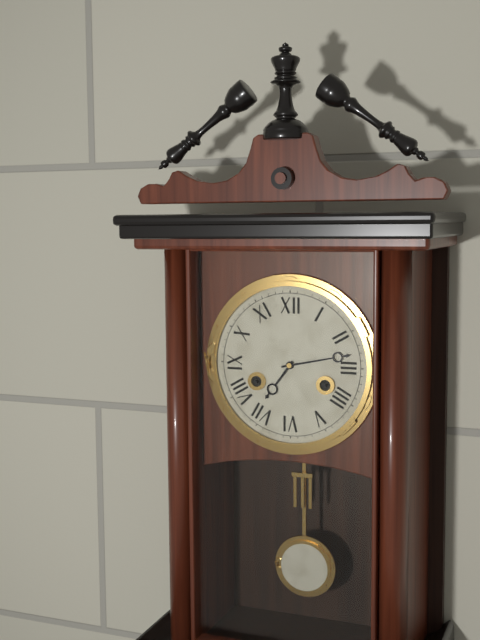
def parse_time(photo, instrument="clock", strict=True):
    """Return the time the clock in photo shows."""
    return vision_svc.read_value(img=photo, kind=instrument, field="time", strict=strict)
7:13
